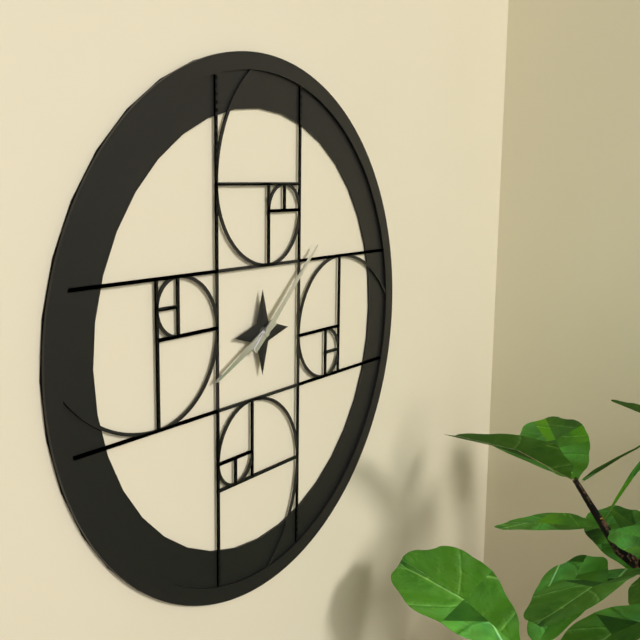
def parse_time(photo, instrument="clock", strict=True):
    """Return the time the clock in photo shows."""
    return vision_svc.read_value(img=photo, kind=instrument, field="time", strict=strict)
8:08
